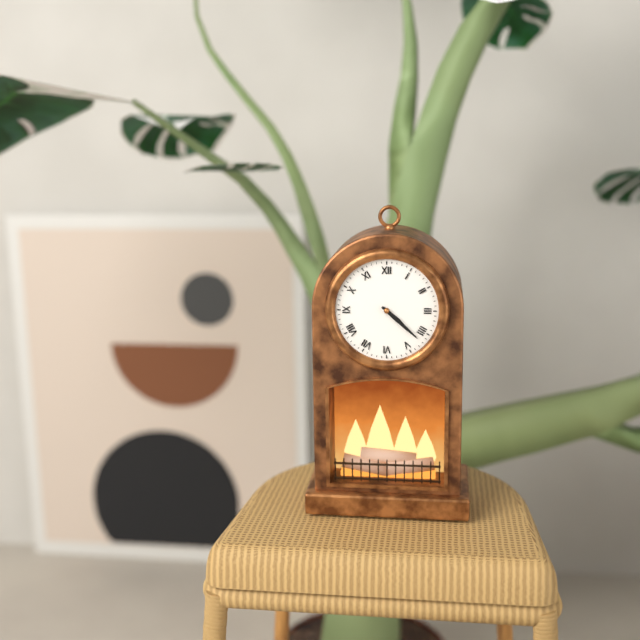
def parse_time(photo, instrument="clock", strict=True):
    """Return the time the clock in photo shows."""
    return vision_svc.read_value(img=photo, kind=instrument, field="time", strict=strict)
4:22
